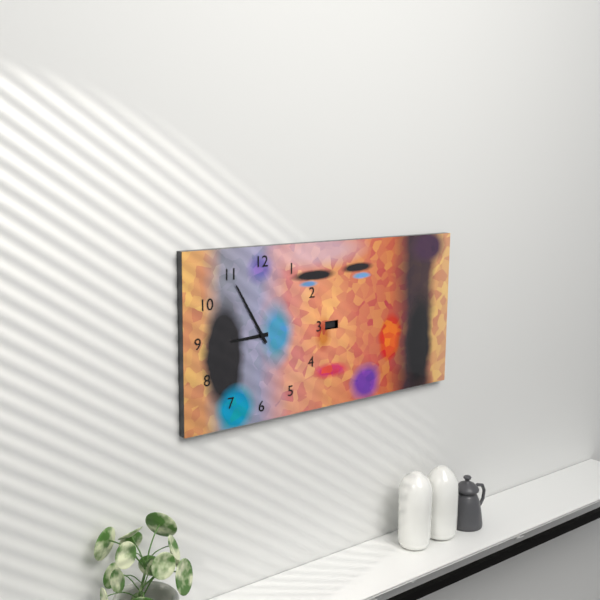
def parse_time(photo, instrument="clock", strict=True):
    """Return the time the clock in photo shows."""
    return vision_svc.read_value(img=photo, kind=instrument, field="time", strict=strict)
8:55
